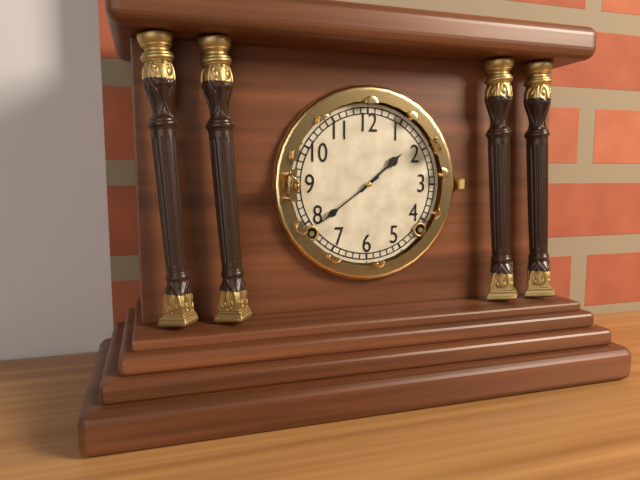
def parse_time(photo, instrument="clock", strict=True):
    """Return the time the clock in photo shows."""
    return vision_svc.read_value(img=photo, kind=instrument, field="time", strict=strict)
1:39
